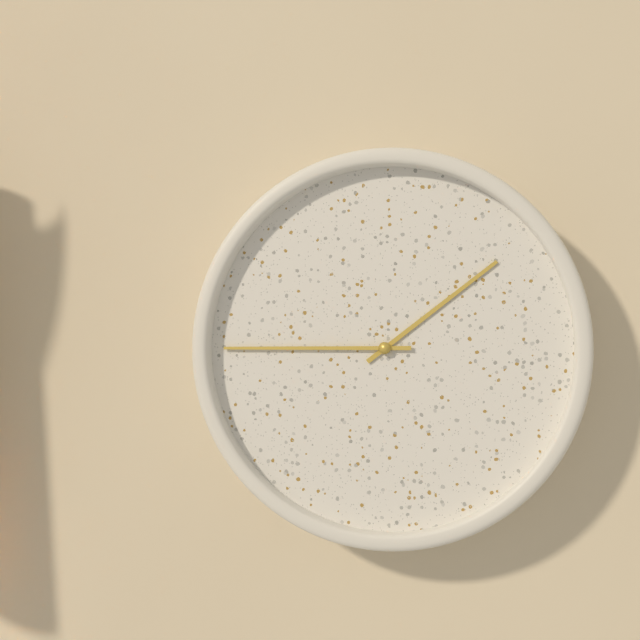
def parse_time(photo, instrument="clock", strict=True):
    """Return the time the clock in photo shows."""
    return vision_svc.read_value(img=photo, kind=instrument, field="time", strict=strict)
1:45
